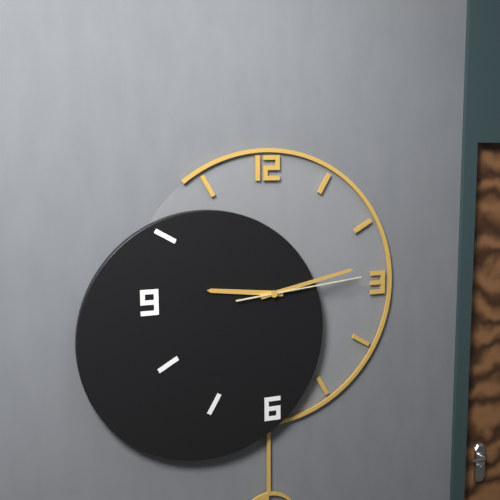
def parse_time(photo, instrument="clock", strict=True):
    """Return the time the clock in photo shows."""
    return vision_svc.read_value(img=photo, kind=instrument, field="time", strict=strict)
9:13:14
